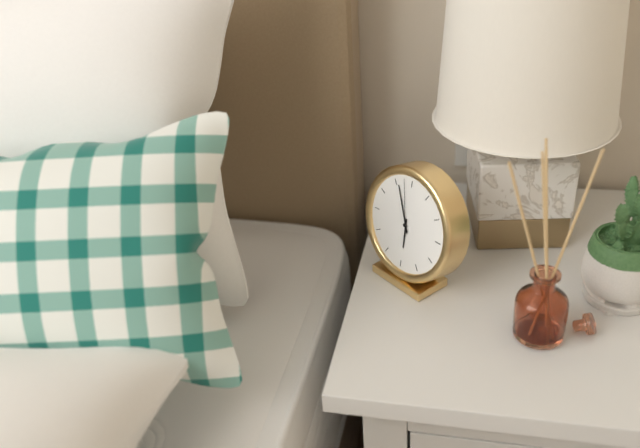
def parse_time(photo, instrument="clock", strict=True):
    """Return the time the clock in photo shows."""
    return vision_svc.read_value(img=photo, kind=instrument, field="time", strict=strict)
5:56:58
